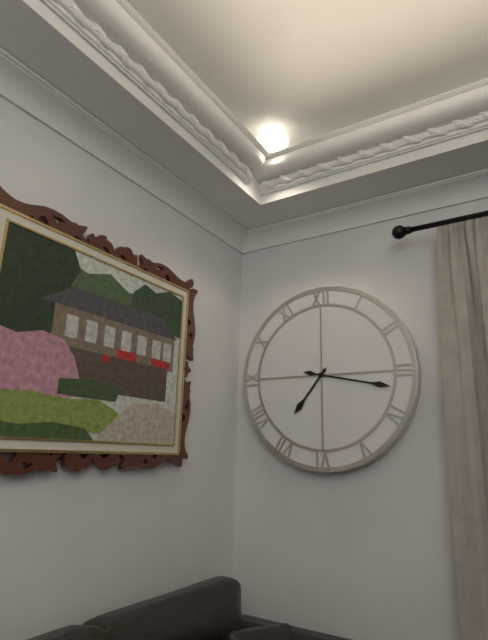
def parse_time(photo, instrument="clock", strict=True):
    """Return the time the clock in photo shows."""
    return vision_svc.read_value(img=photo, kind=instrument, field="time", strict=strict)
7:17
